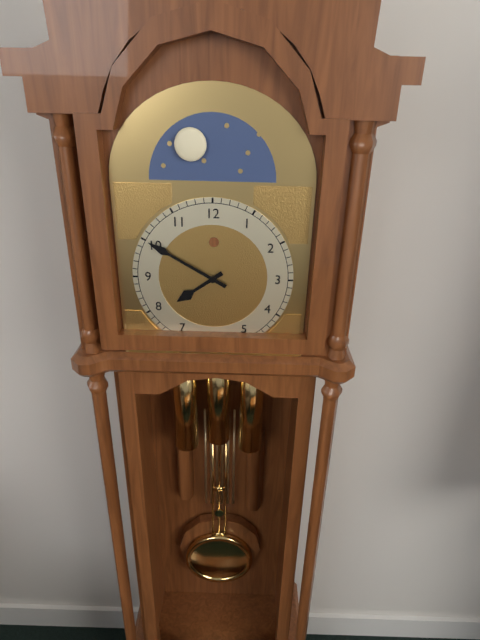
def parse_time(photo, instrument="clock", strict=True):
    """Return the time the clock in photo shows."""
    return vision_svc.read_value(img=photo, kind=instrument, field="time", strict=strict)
7:50
